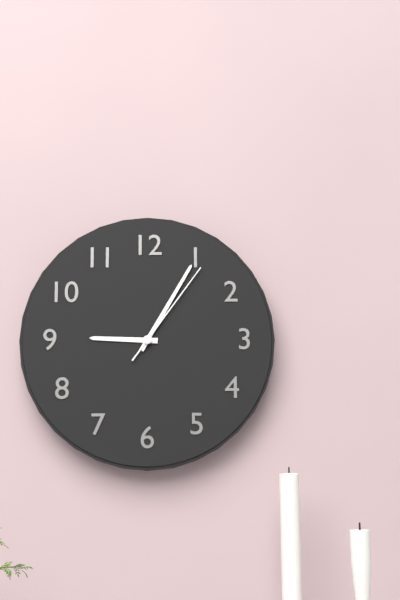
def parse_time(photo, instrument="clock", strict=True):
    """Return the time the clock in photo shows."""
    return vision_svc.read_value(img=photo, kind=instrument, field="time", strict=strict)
9:05:06
